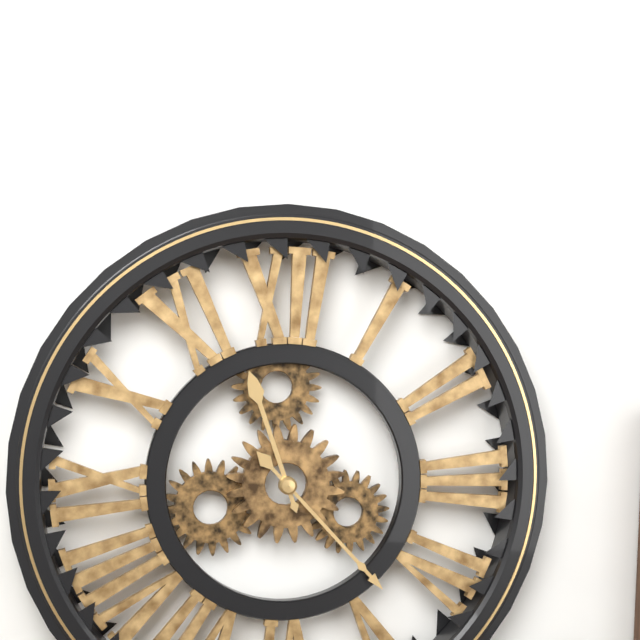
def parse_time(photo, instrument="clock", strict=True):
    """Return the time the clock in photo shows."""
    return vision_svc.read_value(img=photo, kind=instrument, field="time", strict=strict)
11:23
